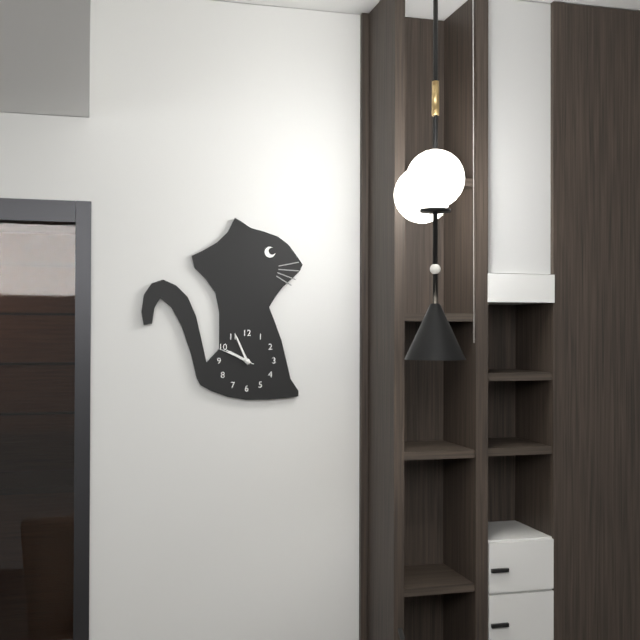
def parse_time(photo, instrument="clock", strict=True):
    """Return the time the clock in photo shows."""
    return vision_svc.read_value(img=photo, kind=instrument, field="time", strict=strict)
9:56
